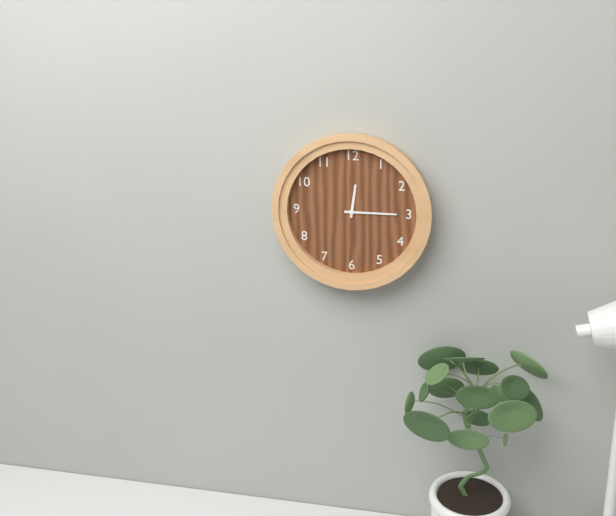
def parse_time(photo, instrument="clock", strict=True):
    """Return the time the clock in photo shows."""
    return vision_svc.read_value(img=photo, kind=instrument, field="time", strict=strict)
12:15
